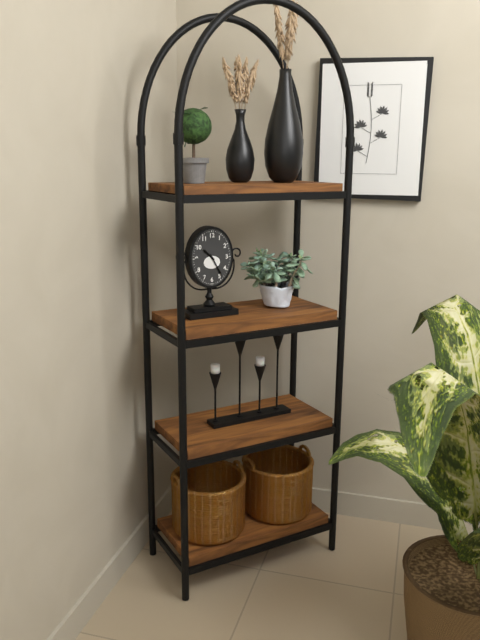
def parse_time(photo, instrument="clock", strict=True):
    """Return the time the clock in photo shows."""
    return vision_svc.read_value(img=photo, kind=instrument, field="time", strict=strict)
10:25
